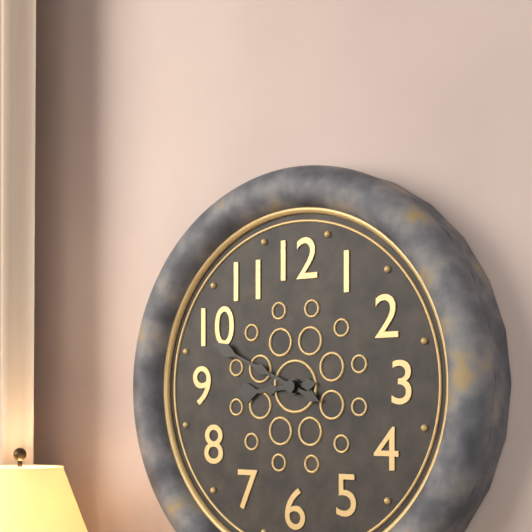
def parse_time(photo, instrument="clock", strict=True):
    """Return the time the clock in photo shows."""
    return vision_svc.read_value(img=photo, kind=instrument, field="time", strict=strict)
8:49
